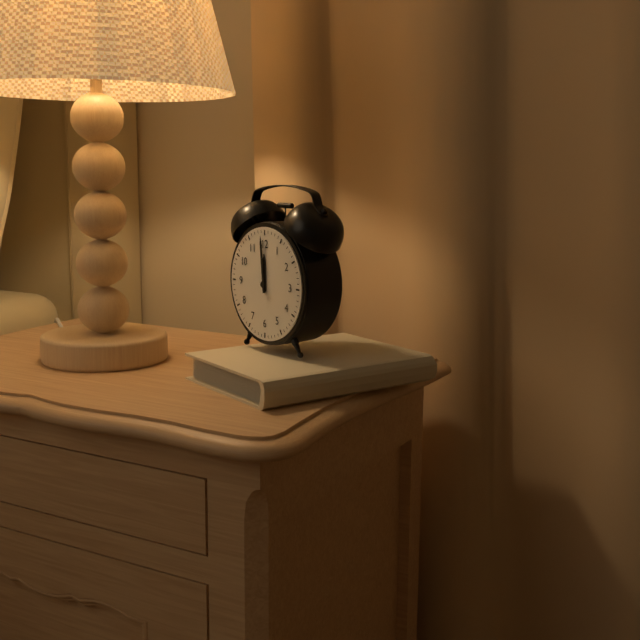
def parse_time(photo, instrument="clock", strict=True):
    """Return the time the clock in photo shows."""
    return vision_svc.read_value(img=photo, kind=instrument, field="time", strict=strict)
11:59
